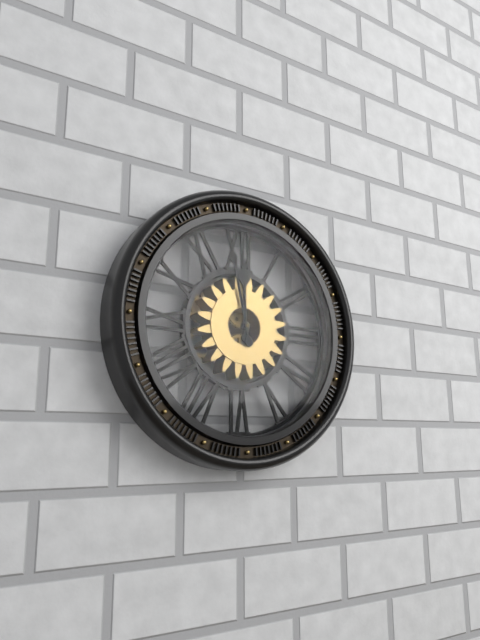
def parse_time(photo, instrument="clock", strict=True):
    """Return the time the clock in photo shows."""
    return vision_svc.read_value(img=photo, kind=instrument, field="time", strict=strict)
11:58
